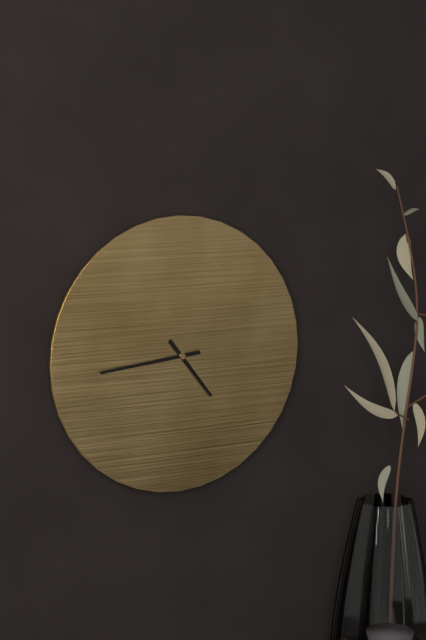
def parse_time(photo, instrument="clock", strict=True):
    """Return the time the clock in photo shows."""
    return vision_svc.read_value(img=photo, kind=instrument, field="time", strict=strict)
4:44
